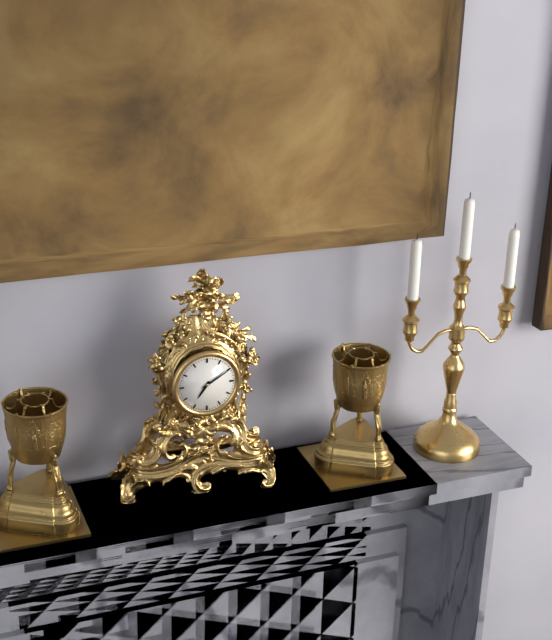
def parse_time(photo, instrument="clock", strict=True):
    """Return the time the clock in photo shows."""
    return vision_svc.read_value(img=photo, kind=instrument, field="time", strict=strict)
7:10
